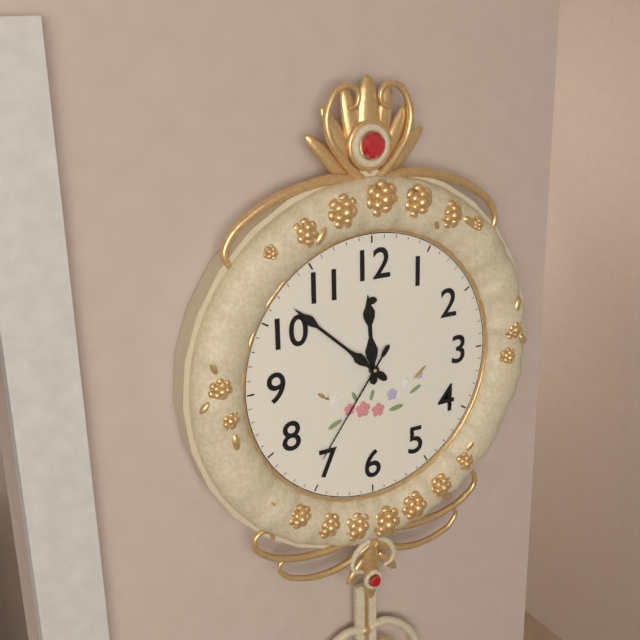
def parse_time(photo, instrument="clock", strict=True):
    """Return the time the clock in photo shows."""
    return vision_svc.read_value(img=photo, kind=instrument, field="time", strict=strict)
11:52:36
